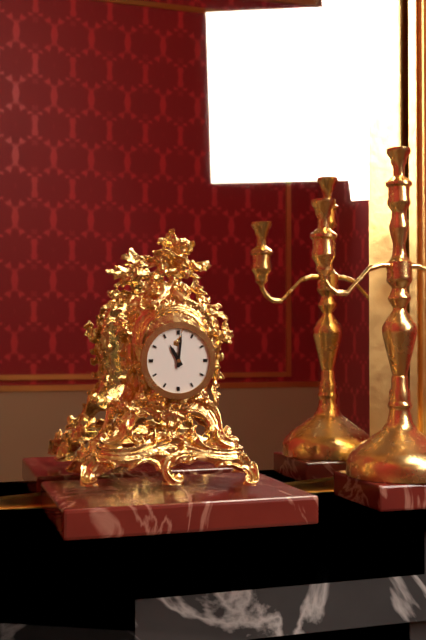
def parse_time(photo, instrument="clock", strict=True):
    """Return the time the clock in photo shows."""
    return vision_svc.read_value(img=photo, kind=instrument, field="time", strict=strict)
11:01
